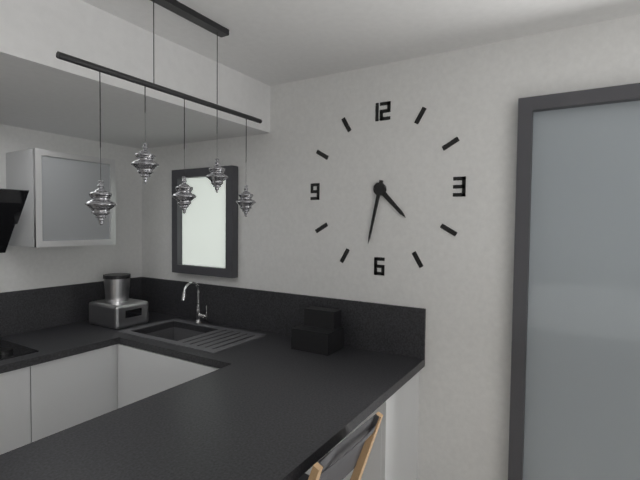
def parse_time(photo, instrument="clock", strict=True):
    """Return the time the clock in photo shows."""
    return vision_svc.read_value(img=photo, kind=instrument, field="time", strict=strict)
4:32
